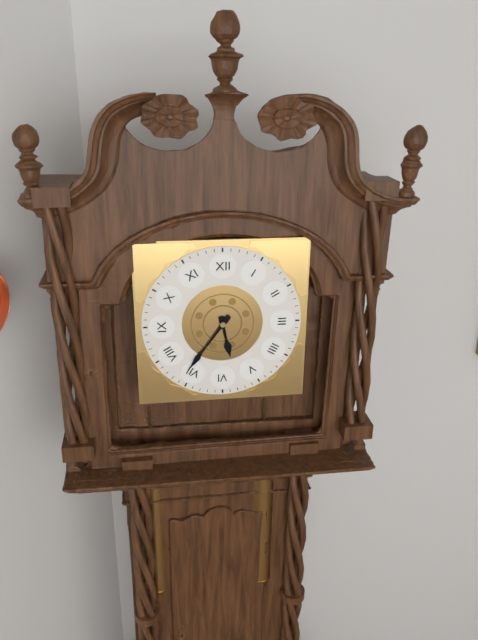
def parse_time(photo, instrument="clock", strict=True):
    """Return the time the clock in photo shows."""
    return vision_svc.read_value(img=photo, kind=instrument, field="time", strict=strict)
5:36
